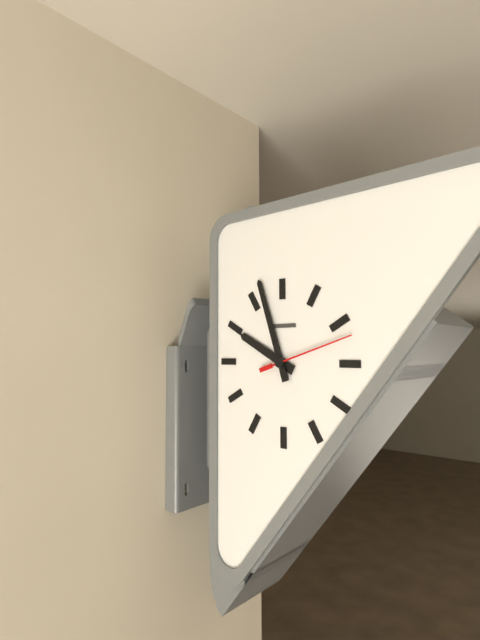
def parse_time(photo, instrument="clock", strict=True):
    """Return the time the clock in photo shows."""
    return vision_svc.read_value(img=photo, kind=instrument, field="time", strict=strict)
9:57:12
